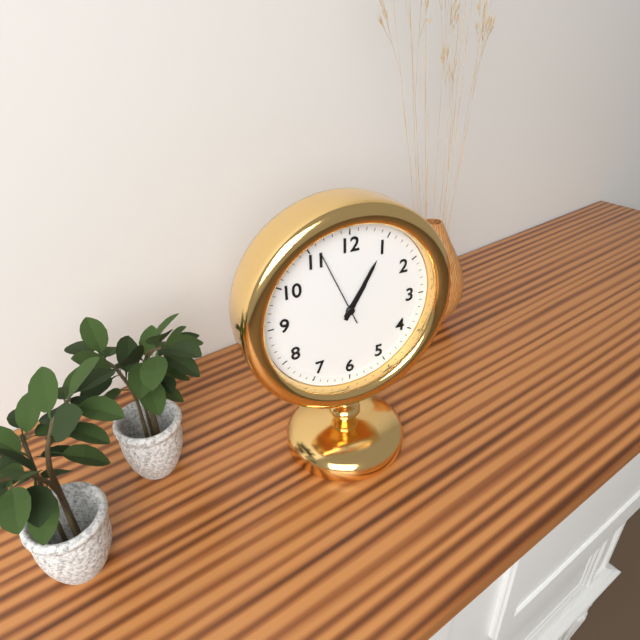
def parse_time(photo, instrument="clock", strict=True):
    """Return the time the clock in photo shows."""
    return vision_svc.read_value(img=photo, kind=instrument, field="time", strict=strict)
1:05:56
